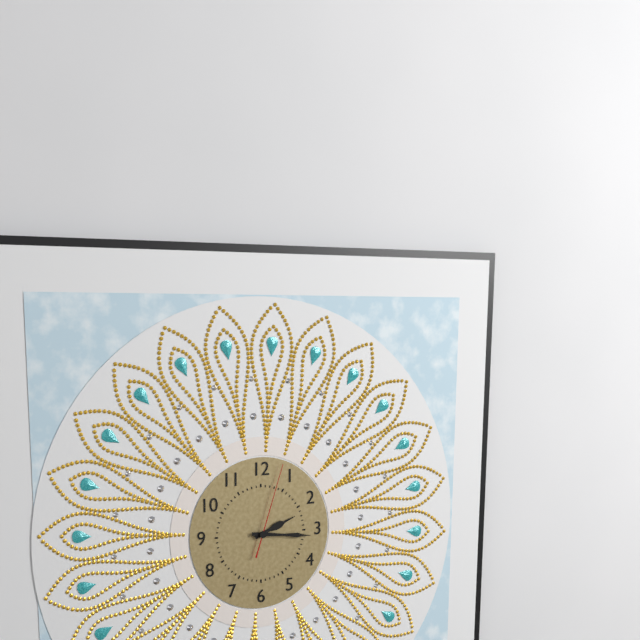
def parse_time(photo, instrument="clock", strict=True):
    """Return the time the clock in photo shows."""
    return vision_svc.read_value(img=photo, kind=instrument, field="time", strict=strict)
2:16:03
